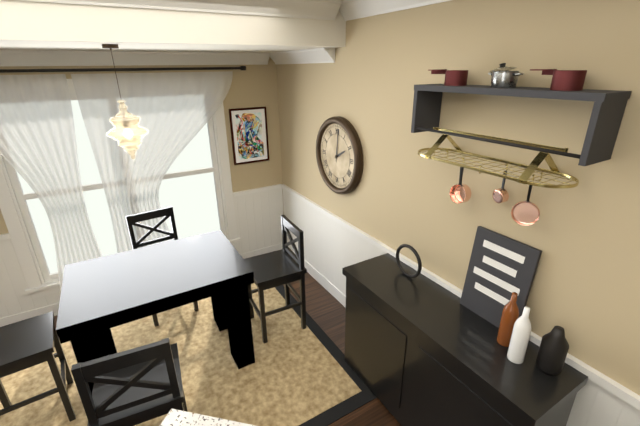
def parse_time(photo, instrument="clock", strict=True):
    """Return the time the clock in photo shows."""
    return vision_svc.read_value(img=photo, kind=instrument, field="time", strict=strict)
2:01
